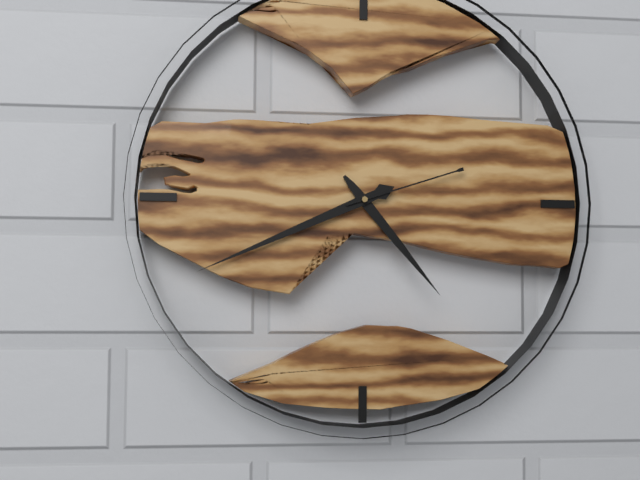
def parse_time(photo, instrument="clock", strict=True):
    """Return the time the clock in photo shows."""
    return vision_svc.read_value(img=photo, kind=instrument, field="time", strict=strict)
4:41:12
